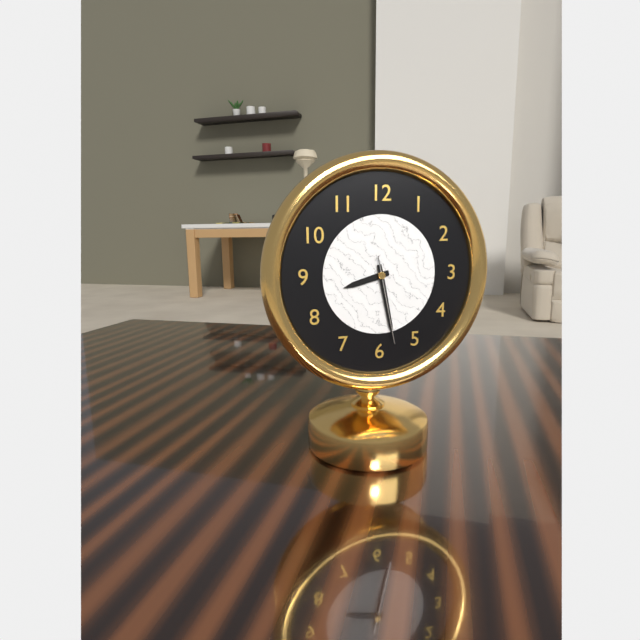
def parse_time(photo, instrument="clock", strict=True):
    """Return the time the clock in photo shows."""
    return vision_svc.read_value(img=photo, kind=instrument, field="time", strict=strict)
8:28:28
